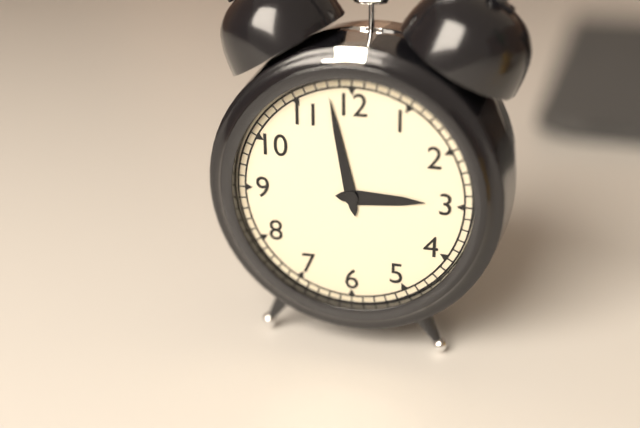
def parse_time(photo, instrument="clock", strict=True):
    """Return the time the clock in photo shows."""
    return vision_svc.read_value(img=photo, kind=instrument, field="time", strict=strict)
2:58
